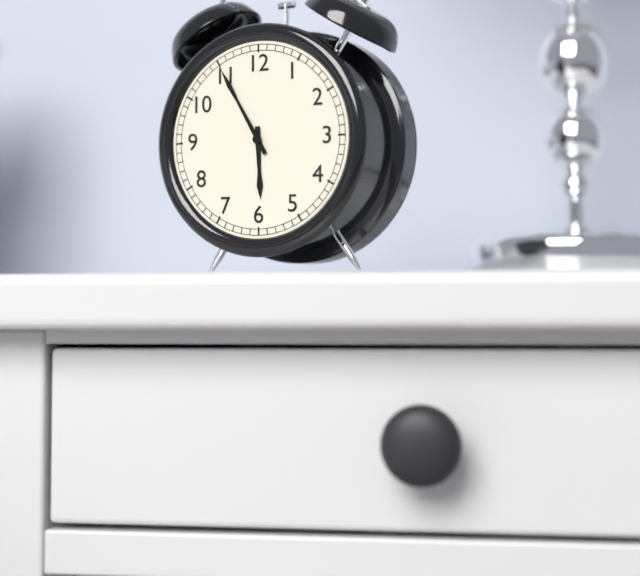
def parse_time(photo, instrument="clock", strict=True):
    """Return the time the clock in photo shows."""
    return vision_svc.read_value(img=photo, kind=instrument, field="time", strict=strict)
5:55
